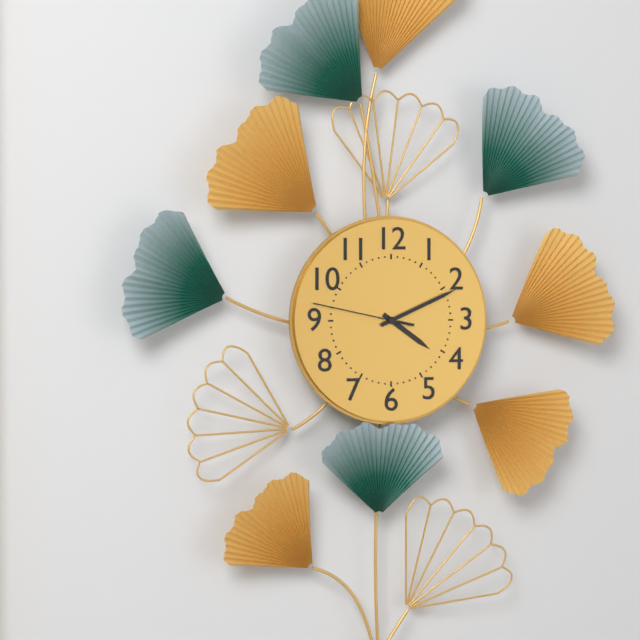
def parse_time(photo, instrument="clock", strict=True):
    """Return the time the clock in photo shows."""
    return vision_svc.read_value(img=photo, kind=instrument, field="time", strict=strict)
4:11:47
